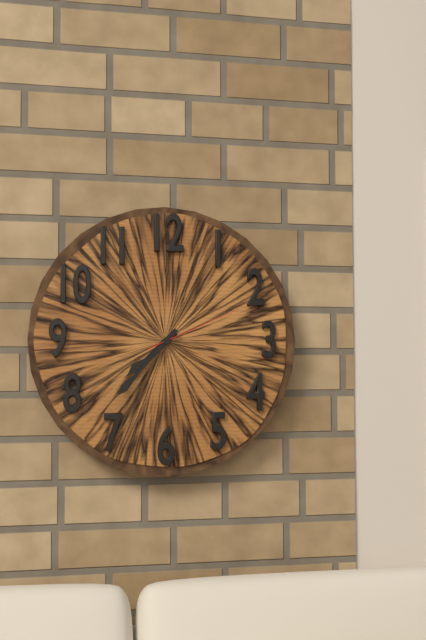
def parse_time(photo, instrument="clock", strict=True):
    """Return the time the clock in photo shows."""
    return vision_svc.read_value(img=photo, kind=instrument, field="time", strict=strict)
7:37:11
